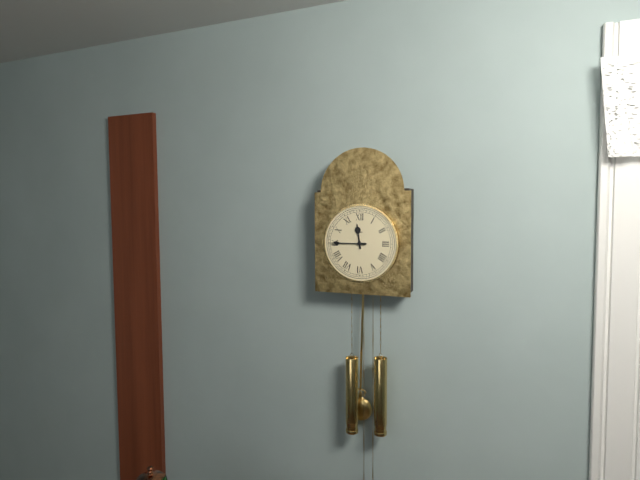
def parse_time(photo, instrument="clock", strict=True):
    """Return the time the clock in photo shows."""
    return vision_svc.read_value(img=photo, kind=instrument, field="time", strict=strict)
11:45
